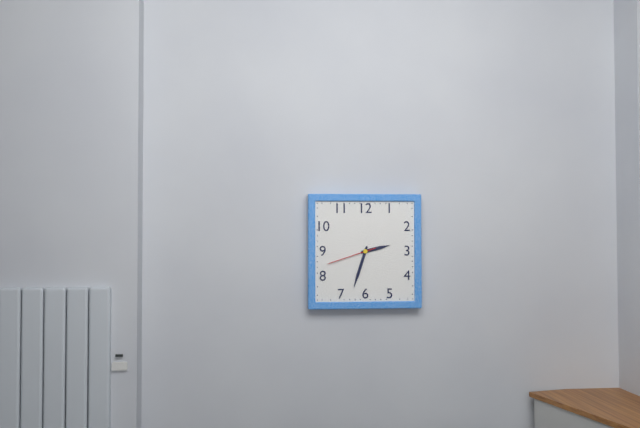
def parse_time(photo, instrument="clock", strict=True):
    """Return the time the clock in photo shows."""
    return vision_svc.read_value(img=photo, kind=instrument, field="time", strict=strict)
2:33
